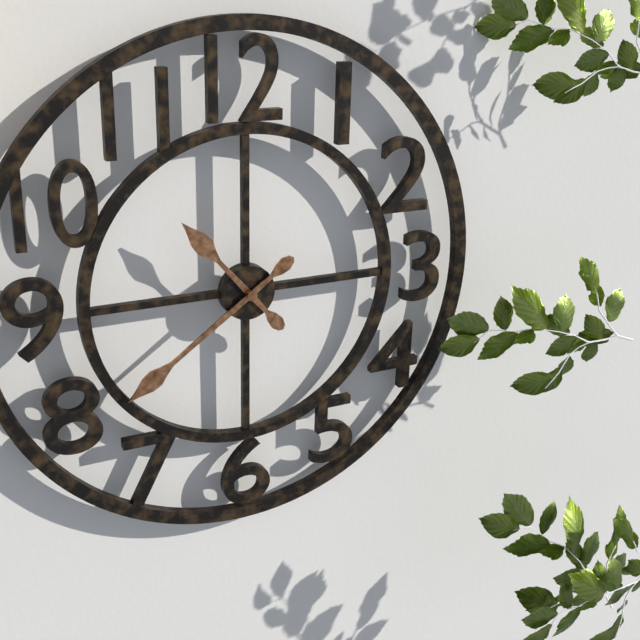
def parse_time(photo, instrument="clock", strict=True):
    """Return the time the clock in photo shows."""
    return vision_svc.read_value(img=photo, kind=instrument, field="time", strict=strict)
10:39
